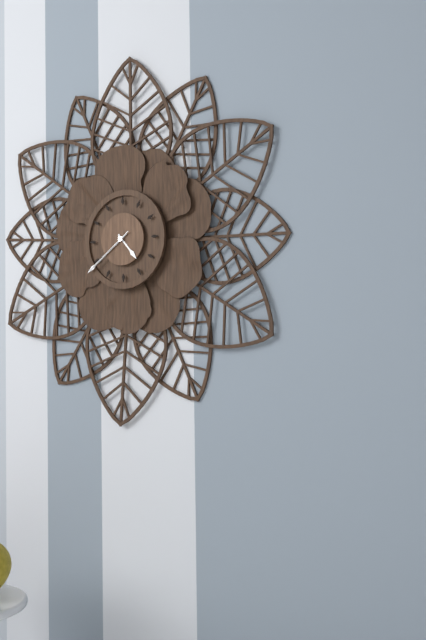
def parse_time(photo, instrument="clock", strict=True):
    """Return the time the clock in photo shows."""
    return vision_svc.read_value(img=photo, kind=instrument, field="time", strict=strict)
4:39:39
